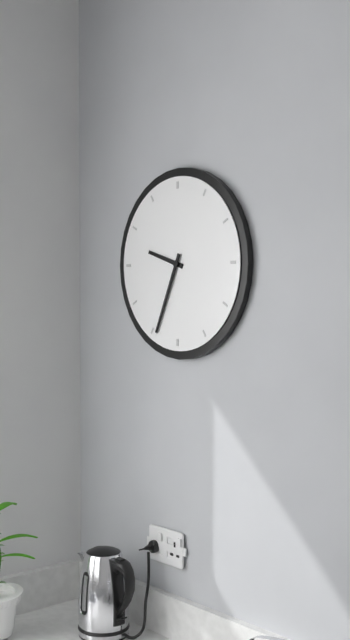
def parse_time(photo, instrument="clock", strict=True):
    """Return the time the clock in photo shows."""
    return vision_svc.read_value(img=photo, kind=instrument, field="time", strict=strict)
9:34
